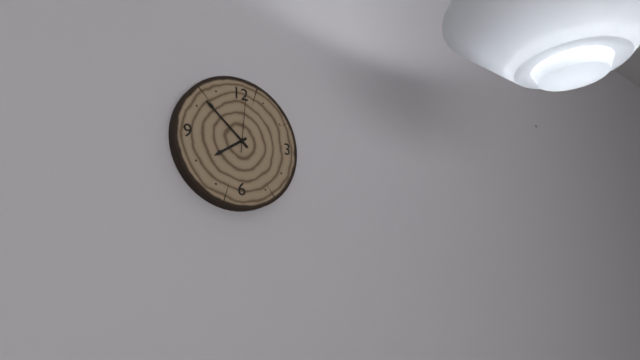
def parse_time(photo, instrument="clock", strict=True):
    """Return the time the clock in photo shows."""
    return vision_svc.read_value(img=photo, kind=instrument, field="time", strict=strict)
7:52:01
